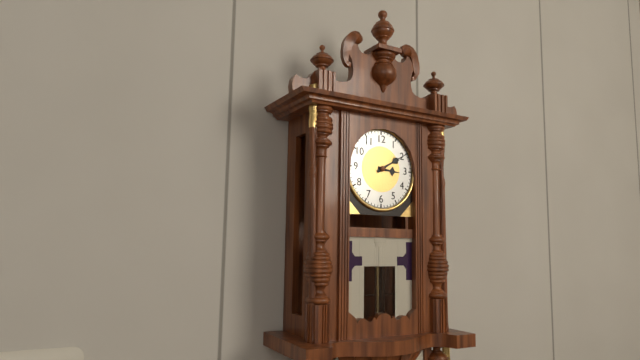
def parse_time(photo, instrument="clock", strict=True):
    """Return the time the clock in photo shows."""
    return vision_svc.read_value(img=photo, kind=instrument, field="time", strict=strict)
3:10
